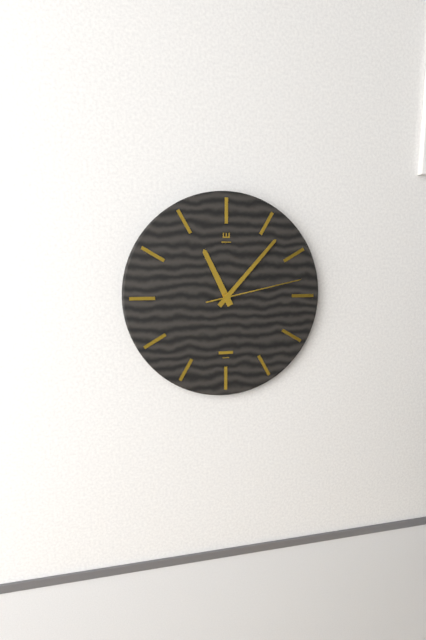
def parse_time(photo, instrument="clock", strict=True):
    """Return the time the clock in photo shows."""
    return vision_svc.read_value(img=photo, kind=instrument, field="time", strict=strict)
11:07:13
